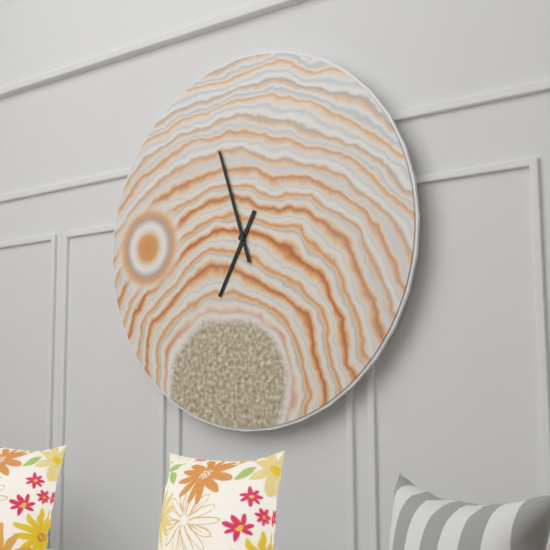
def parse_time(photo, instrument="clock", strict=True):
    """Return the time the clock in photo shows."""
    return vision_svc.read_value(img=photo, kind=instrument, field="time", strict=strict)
6:57
